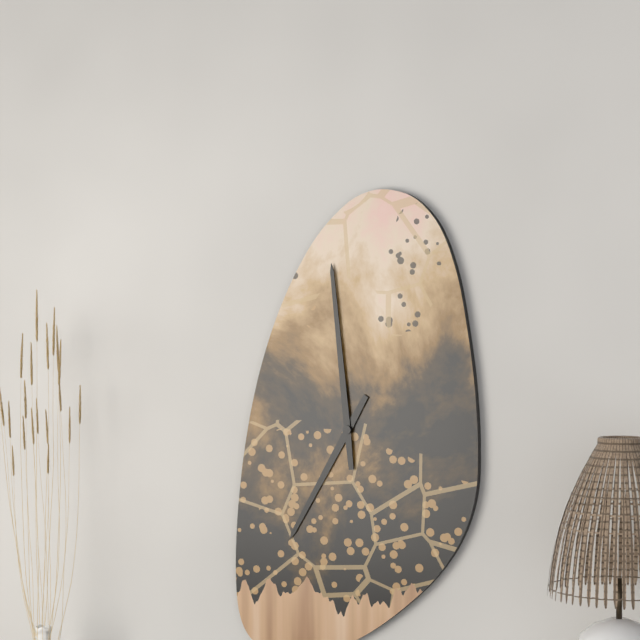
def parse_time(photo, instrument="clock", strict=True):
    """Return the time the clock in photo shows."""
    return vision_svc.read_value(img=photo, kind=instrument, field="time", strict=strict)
6:59
